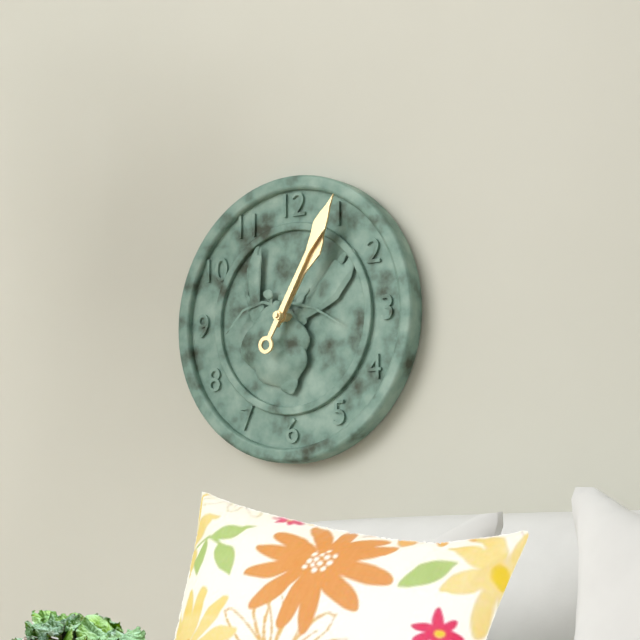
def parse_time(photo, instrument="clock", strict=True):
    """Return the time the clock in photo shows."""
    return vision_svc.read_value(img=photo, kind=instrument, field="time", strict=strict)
1:05
